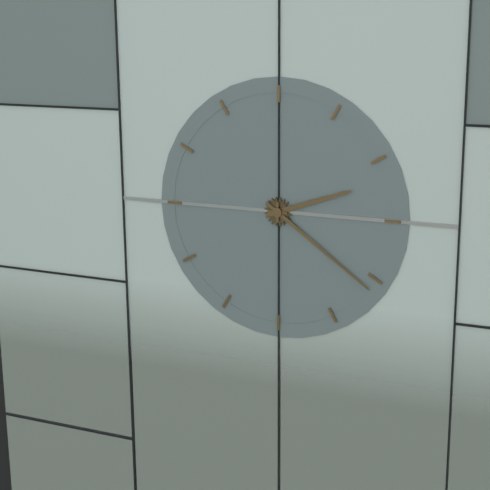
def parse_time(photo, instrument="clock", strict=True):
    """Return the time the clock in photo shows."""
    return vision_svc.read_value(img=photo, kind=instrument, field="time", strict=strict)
2:21
